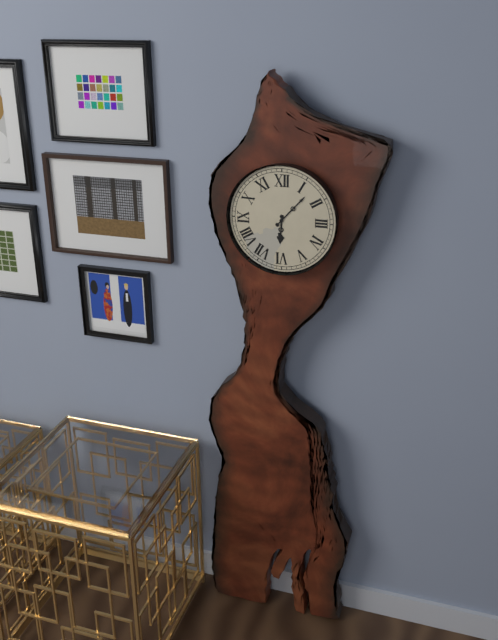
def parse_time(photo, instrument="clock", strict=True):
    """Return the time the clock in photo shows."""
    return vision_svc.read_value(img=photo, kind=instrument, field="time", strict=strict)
6:07
